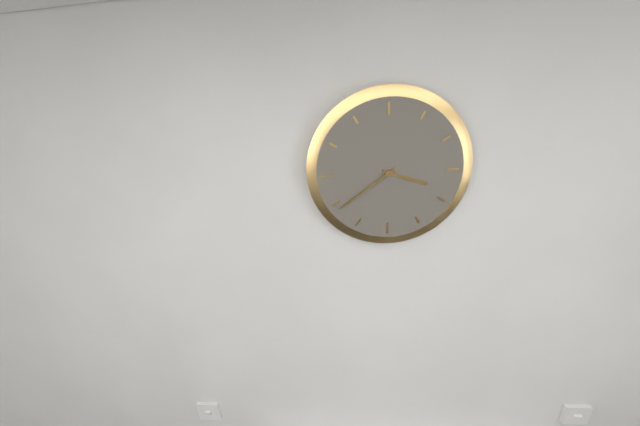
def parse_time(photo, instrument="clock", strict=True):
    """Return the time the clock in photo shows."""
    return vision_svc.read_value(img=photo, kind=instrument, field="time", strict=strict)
3:39
